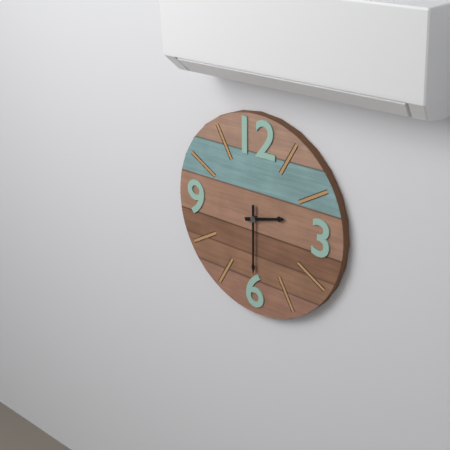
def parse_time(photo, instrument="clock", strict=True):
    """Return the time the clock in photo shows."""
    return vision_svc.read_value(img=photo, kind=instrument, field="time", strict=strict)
2:30
